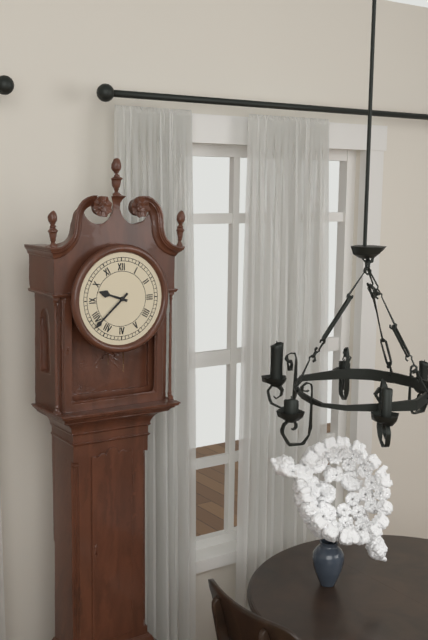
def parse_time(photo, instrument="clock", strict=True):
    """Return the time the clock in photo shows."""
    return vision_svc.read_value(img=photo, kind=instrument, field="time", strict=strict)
9:38
